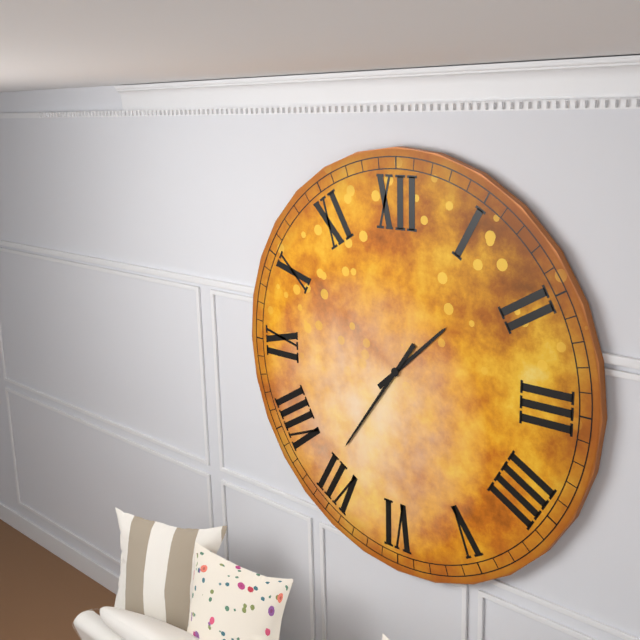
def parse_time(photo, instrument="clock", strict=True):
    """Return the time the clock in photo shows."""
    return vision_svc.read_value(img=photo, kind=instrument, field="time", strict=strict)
1:36
